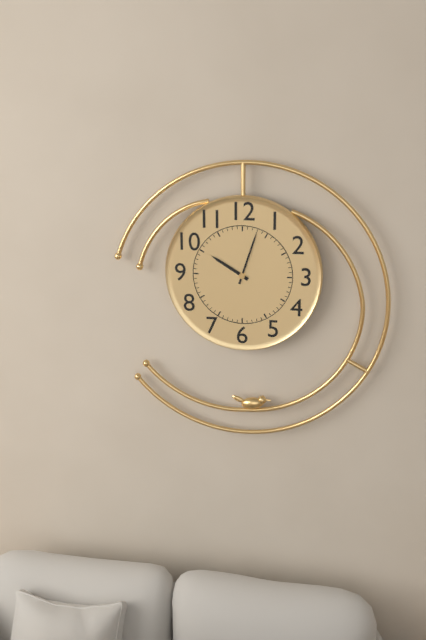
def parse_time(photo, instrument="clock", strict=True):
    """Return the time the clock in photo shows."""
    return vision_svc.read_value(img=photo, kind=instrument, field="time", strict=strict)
10:03
